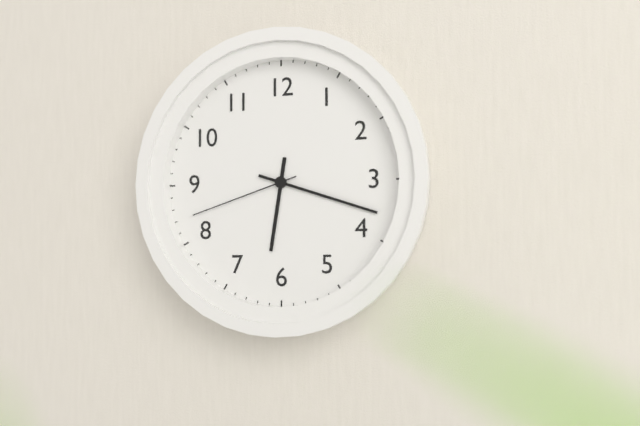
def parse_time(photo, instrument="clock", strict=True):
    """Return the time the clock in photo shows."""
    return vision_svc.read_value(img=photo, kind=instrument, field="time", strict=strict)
6:18:42
